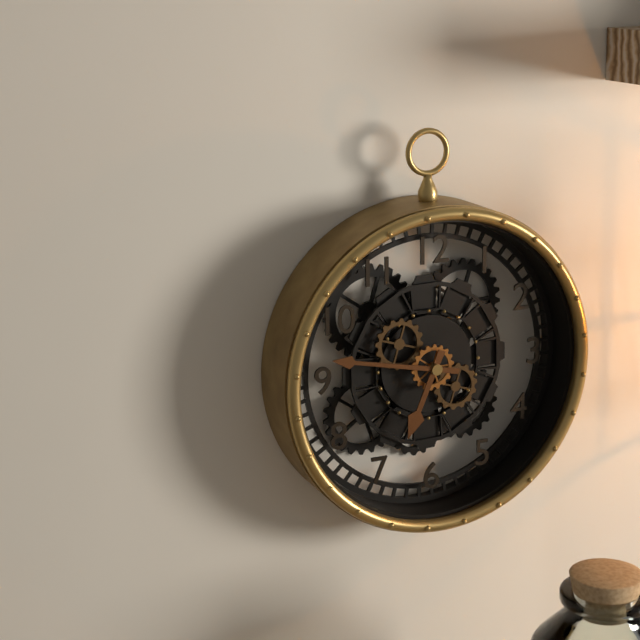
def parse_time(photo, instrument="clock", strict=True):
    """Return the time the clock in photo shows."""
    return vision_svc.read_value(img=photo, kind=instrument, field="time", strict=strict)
6:47
